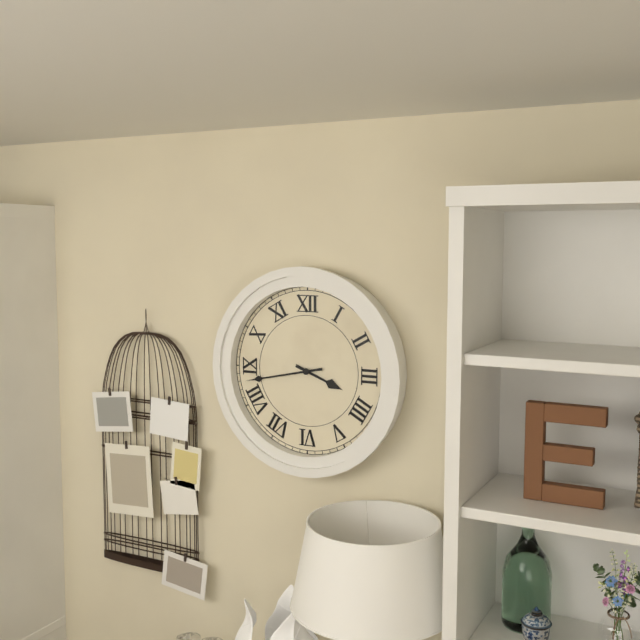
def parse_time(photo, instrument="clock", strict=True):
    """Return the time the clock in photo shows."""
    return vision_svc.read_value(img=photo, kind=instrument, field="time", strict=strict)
3:43
